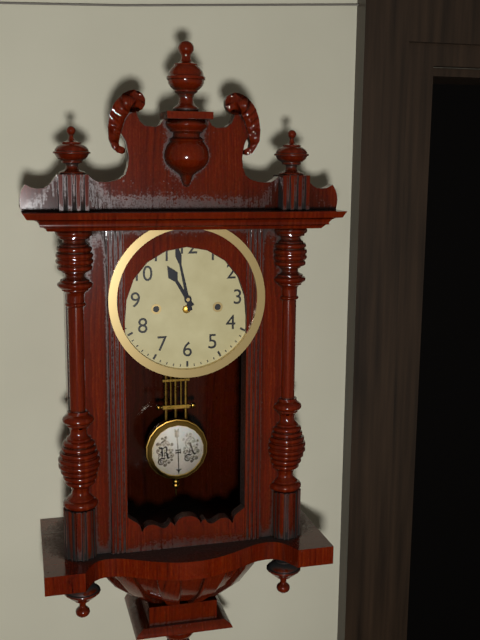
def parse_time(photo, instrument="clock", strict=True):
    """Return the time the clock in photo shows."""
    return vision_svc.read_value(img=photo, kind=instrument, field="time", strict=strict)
10:58
